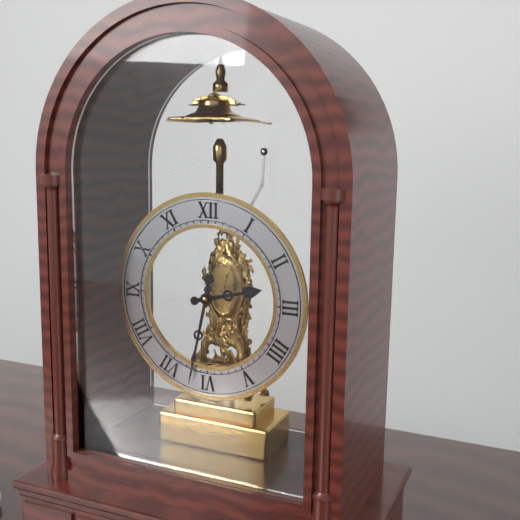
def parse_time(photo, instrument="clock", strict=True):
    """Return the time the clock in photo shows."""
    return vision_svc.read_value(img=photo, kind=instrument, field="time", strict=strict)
2:32
